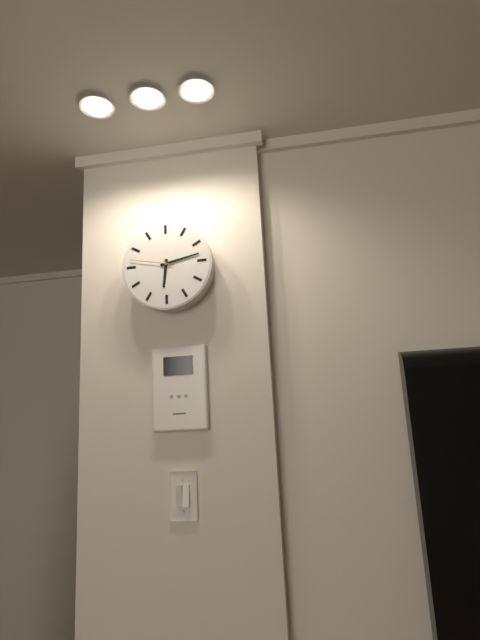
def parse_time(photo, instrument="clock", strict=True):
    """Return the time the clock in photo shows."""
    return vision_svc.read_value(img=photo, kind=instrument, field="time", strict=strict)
6:13
